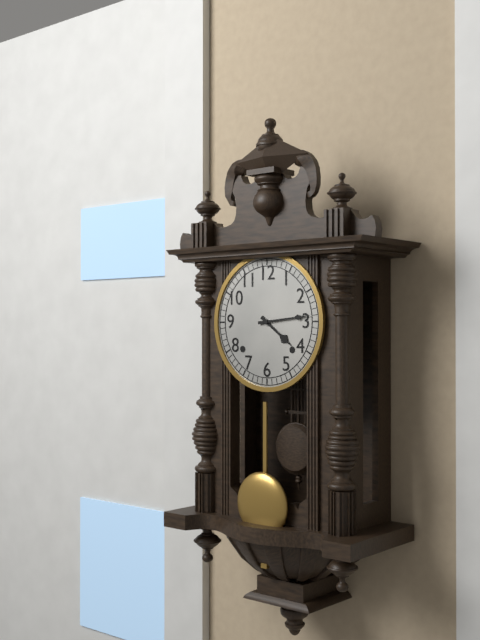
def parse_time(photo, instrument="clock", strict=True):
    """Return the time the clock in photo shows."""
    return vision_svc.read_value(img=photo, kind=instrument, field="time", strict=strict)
4:14
